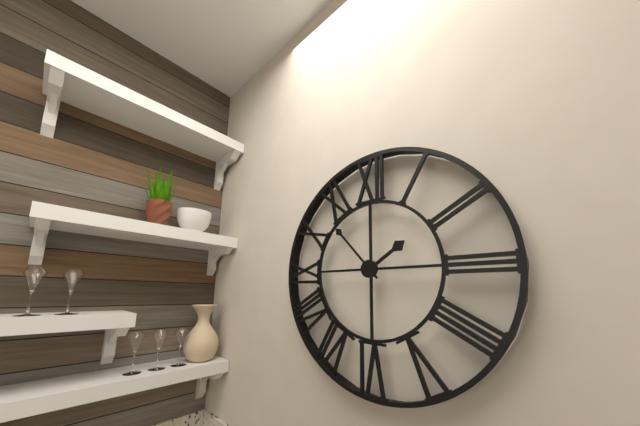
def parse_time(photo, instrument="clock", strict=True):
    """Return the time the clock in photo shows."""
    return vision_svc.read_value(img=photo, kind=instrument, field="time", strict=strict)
1:53
